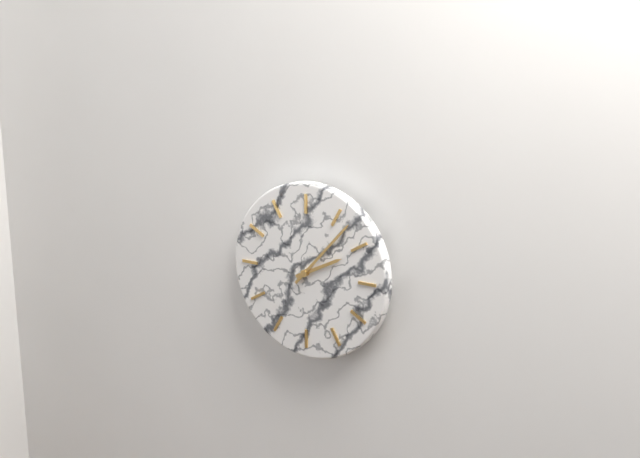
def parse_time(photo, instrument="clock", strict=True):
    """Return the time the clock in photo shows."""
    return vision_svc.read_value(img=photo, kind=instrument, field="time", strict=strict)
2:07
